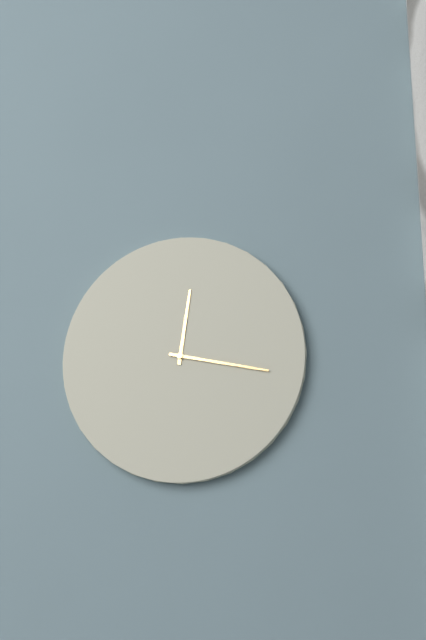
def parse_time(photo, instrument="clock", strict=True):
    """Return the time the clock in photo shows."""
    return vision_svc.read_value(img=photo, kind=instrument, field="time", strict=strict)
12:17
